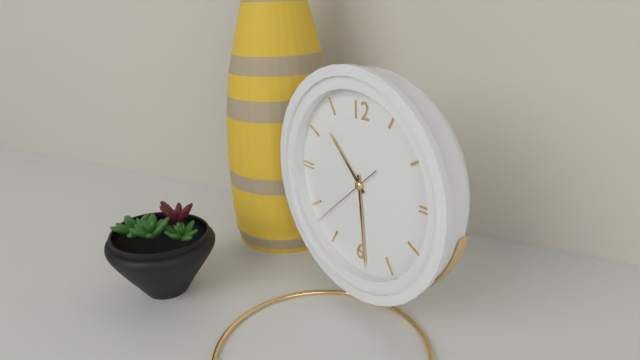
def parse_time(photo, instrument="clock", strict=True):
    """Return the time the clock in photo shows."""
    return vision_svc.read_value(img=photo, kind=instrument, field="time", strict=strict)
10:29:38
